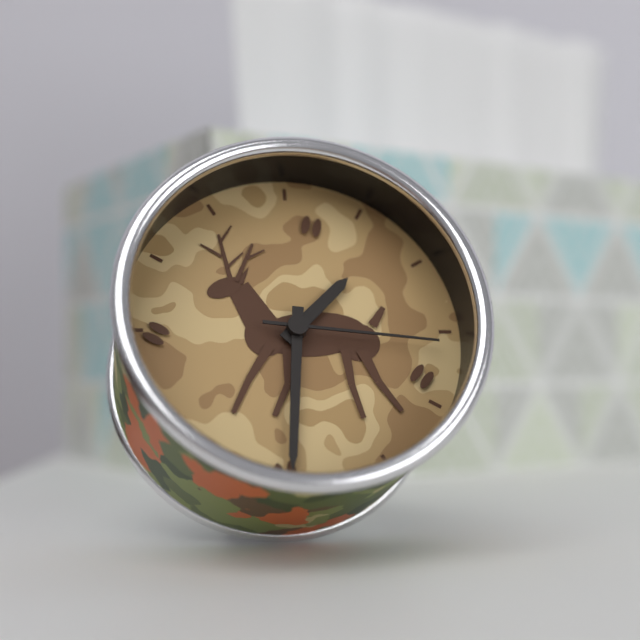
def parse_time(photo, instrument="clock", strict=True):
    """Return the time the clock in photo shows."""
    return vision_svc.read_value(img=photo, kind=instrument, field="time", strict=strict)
1:31:16
